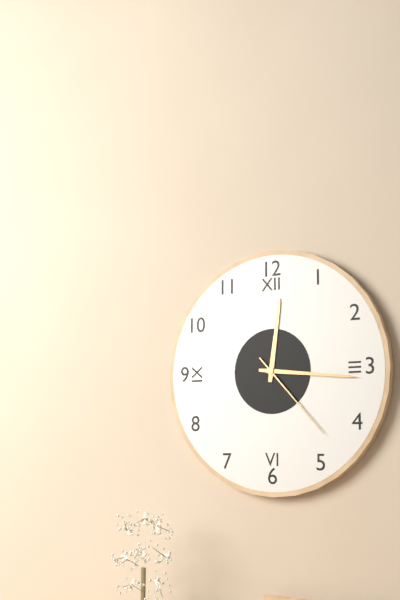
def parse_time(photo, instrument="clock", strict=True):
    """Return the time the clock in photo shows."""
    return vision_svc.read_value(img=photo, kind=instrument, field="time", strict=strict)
12:16:23
